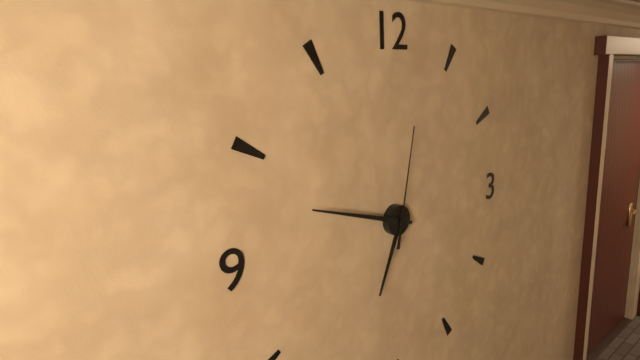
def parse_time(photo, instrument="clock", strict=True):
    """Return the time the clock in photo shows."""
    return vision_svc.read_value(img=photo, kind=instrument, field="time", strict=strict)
6:48:02
